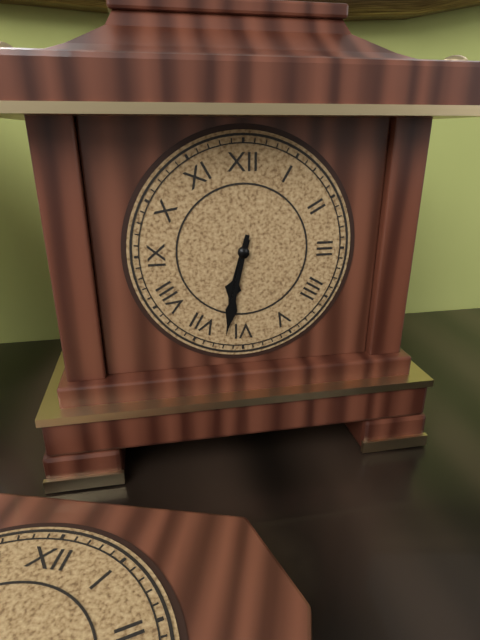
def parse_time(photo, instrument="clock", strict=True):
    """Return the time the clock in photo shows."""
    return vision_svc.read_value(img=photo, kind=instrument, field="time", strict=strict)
6:32
